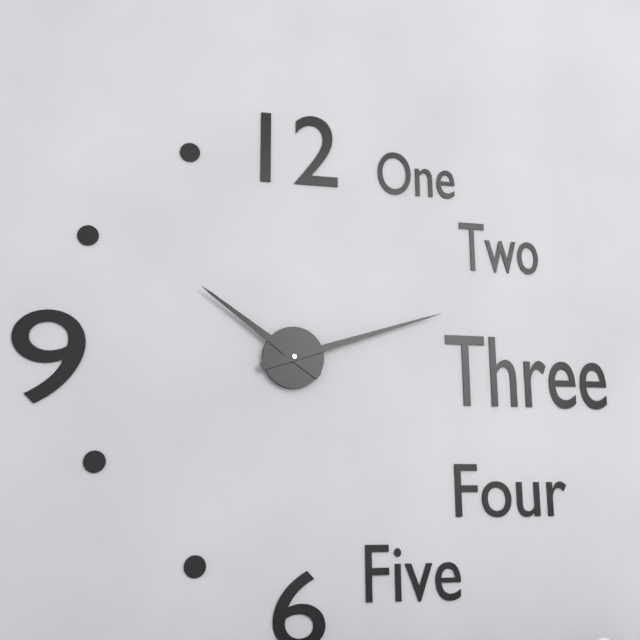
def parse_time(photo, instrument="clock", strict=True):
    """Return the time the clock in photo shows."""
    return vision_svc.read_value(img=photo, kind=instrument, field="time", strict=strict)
10:12
